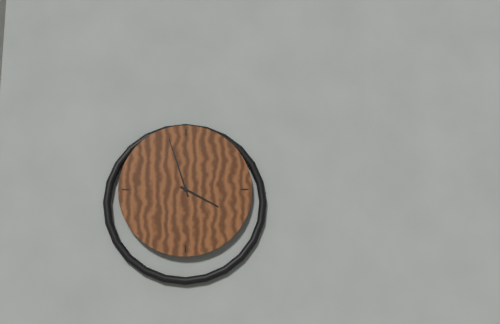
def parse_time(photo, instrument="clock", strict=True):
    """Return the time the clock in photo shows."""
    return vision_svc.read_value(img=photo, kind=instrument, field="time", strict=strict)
3:57
